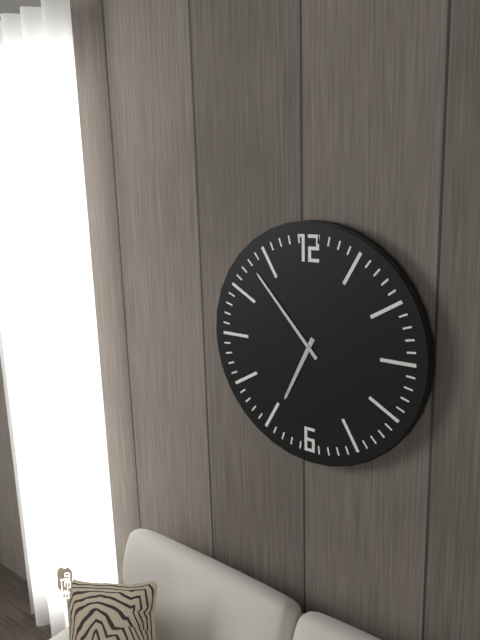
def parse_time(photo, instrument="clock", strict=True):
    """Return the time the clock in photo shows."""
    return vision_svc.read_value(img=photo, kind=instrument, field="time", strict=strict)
6:53
